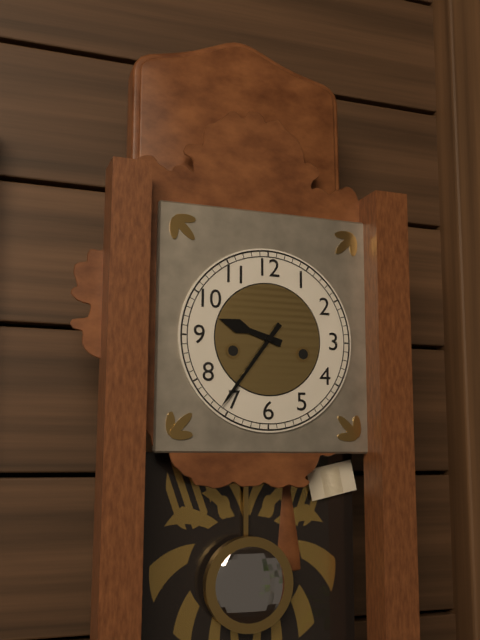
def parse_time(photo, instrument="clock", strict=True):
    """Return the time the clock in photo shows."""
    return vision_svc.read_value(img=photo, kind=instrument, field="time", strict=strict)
9:36
